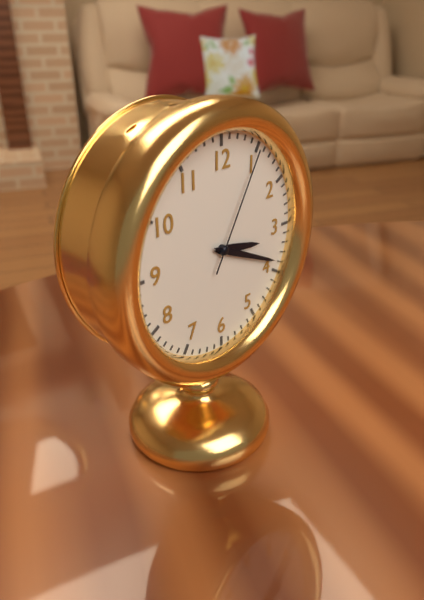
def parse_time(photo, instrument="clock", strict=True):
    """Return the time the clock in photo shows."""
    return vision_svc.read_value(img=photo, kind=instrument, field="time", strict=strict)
3:19:05
